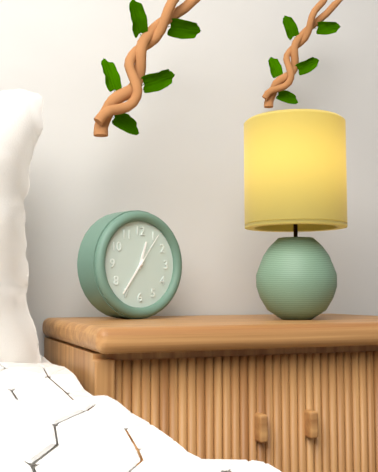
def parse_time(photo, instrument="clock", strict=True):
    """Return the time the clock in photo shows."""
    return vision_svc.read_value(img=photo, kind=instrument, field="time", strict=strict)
12:36
